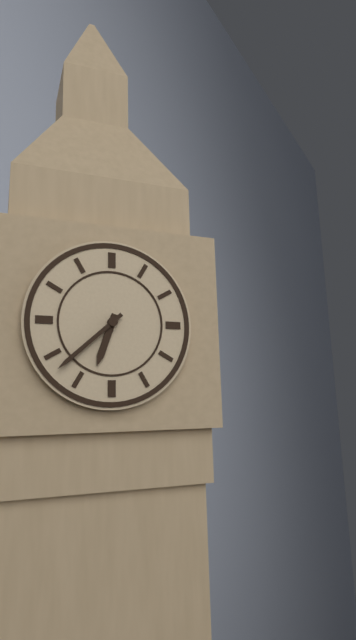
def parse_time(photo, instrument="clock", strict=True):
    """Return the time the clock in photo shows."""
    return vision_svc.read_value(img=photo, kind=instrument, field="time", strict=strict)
6:38
